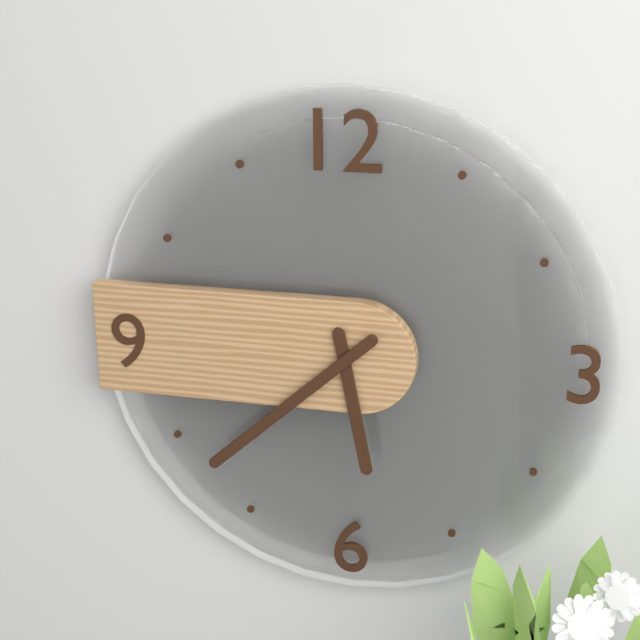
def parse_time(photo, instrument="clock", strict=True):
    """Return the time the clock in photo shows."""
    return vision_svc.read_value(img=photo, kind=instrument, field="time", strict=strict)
5:38
